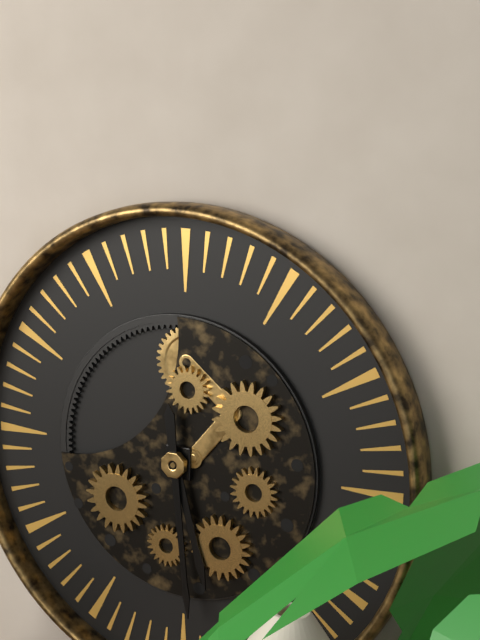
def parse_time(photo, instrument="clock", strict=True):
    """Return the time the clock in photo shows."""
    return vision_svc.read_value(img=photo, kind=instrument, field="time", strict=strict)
5:29
